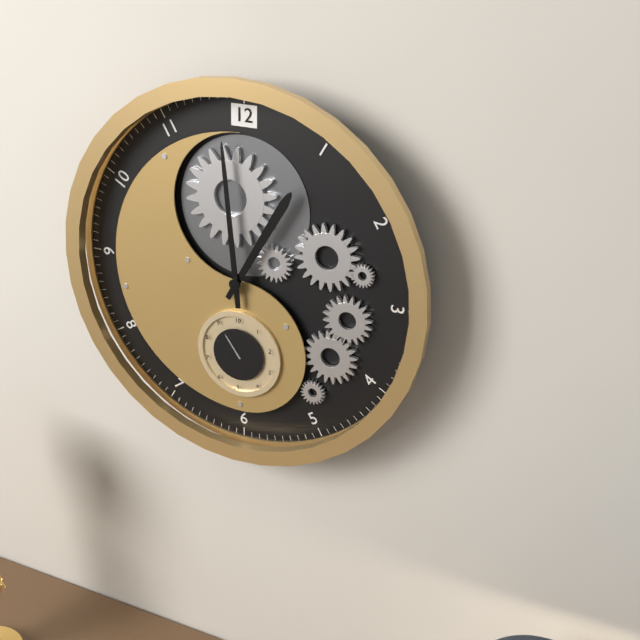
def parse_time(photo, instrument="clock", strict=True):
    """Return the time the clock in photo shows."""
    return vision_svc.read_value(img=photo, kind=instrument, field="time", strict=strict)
12:59
